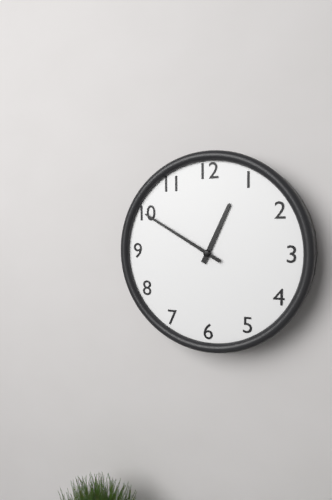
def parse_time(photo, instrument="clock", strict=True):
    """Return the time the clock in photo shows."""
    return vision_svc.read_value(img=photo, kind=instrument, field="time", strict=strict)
12:50
